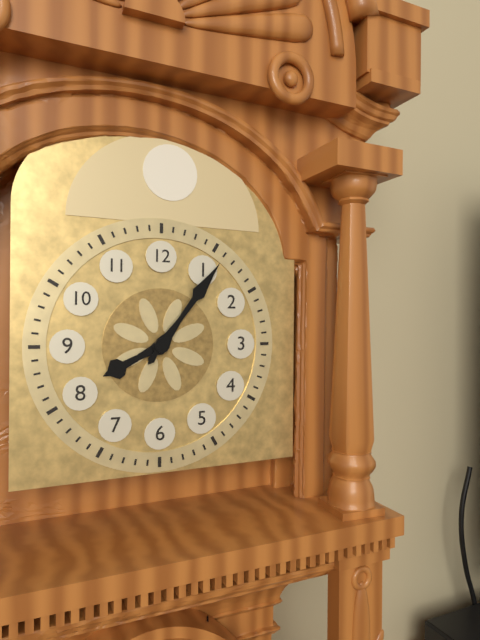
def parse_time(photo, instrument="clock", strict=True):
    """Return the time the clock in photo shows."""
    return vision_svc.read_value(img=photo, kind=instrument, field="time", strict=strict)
8:06
